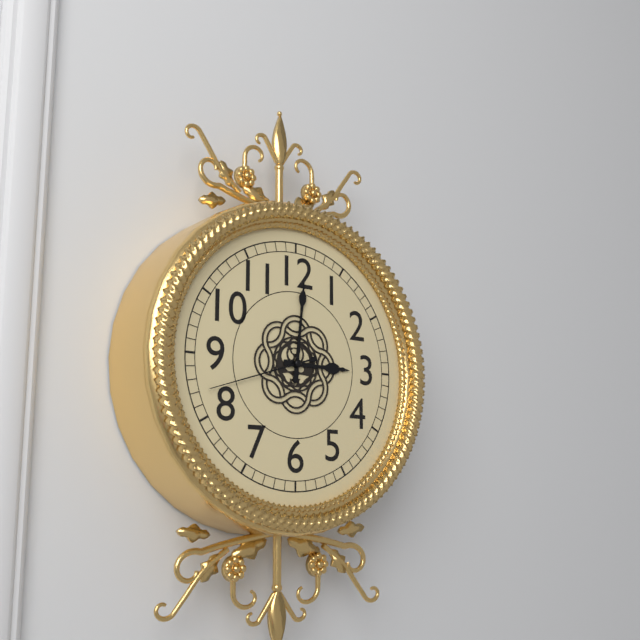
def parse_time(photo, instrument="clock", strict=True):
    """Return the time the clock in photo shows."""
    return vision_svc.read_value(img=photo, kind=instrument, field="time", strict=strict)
3:01:42
